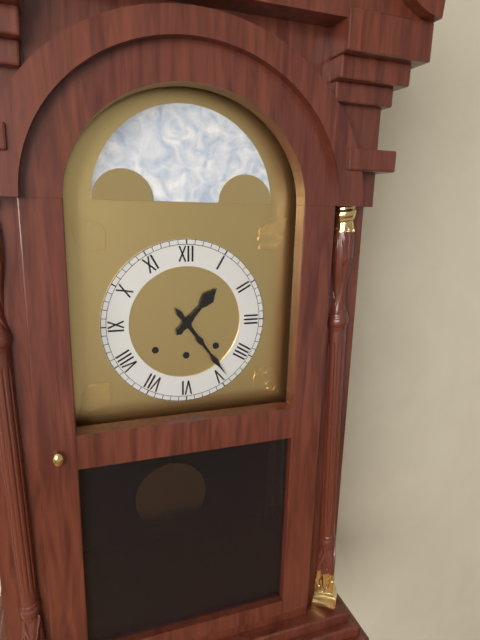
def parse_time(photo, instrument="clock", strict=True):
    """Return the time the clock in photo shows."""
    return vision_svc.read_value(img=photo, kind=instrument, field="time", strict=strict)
1:24
